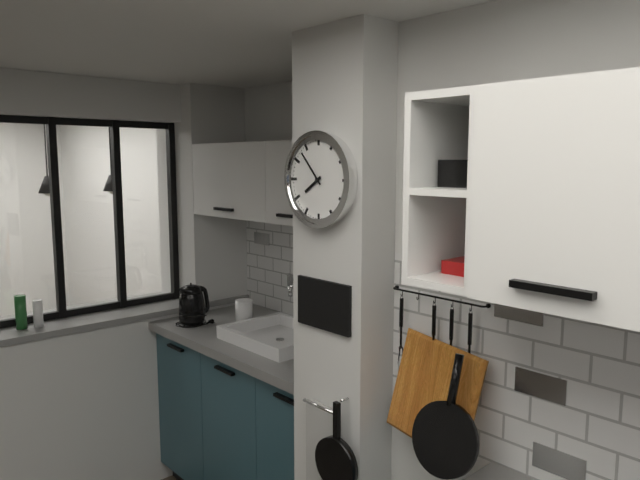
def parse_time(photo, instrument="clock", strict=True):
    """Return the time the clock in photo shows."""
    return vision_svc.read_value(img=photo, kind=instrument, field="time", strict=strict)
7:53
